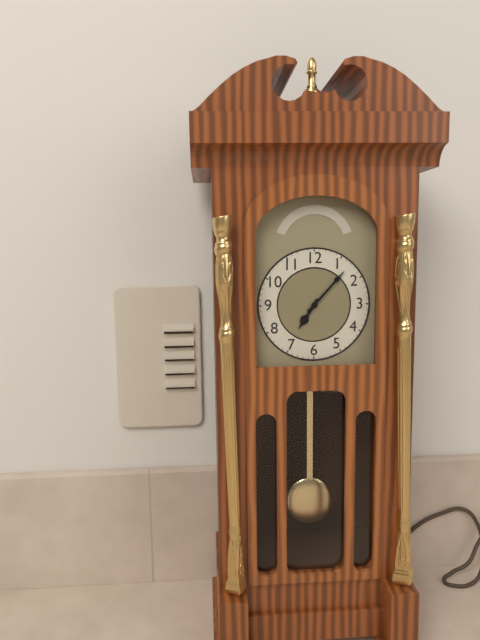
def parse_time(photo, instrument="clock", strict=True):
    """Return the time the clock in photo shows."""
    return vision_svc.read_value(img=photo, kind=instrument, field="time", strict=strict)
7:07
